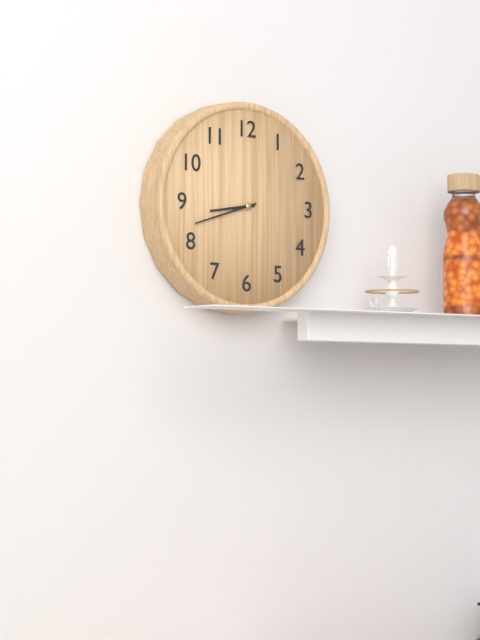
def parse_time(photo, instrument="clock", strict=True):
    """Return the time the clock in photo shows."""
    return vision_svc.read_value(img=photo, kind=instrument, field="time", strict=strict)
8:42
